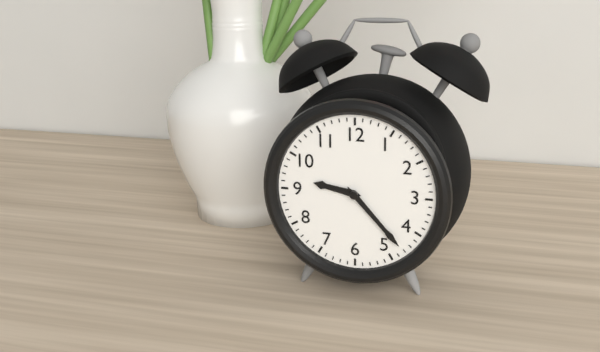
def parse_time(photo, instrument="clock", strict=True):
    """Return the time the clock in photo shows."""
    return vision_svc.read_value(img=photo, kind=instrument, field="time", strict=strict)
9:23
